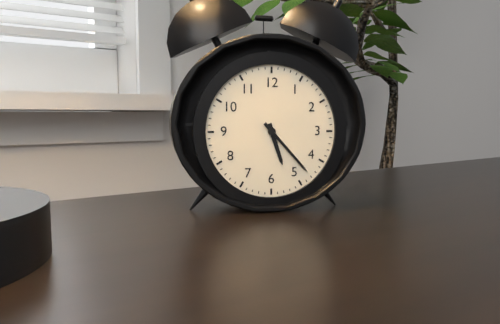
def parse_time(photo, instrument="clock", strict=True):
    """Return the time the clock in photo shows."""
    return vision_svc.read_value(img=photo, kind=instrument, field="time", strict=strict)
5:23
